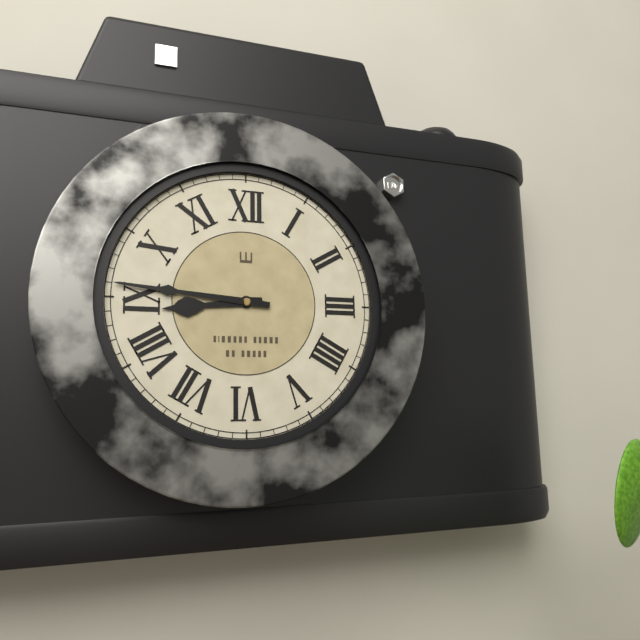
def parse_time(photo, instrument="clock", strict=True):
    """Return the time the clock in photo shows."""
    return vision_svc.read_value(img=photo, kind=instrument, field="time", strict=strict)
8:46
